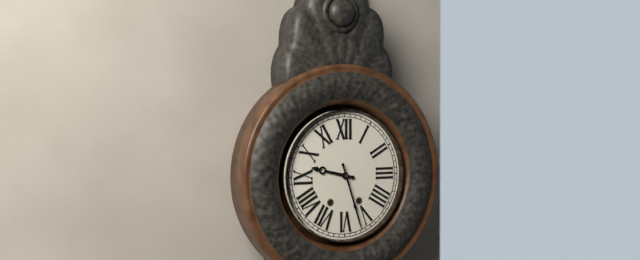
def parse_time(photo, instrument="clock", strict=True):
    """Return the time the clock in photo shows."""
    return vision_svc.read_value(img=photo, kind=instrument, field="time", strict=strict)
9:27
